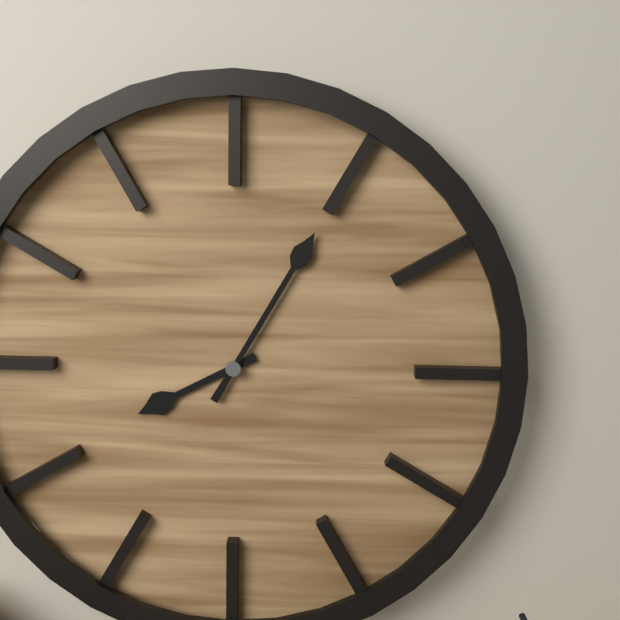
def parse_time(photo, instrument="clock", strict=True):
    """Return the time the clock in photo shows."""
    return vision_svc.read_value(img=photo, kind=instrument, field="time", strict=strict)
8:05
